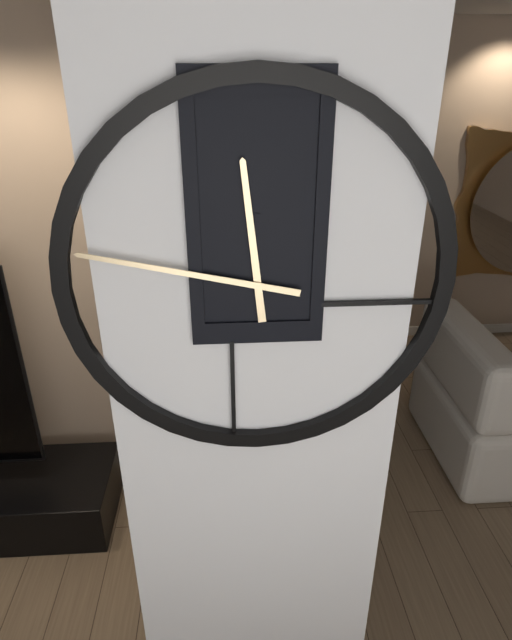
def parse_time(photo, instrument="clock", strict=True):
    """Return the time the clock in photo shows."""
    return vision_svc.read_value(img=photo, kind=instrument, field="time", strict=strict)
11:47
